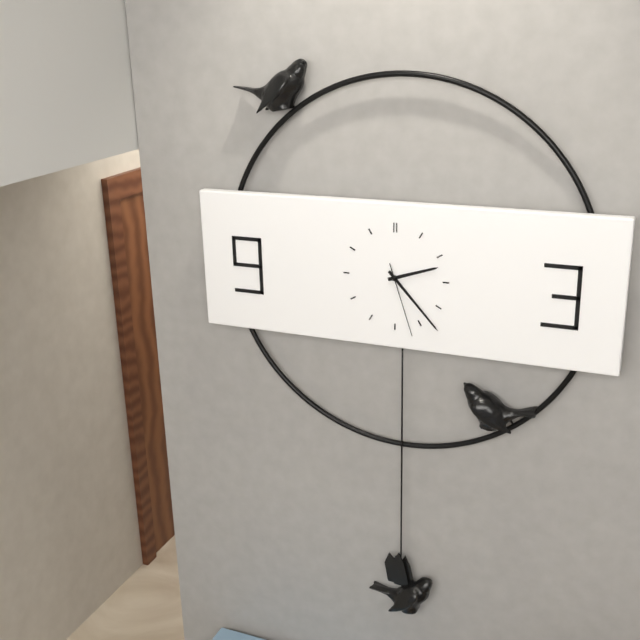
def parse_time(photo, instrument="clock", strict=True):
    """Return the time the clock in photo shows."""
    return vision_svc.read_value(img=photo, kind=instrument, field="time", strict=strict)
2:23:27
